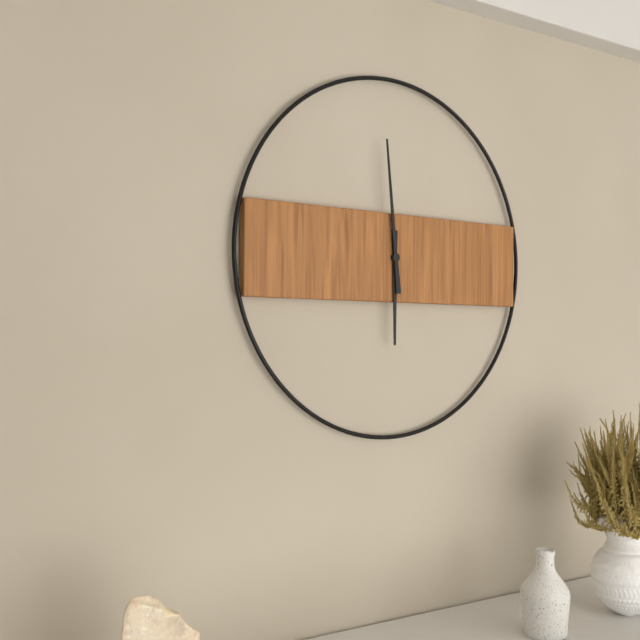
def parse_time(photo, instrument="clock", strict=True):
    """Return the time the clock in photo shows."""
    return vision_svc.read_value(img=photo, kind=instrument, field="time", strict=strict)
5:59
